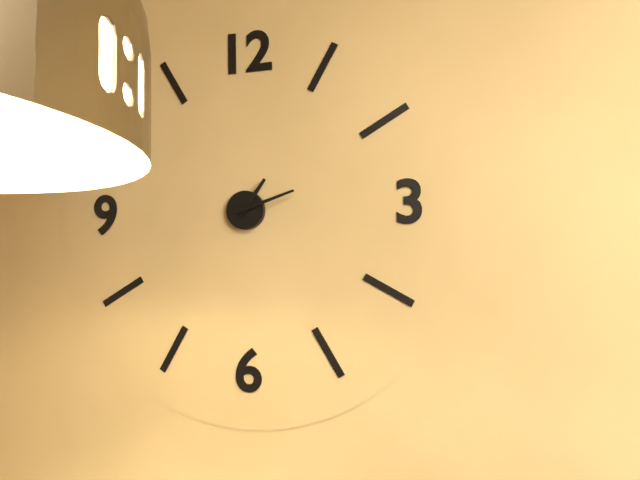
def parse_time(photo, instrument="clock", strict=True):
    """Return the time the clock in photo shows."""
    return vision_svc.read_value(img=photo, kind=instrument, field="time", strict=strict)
1:12
